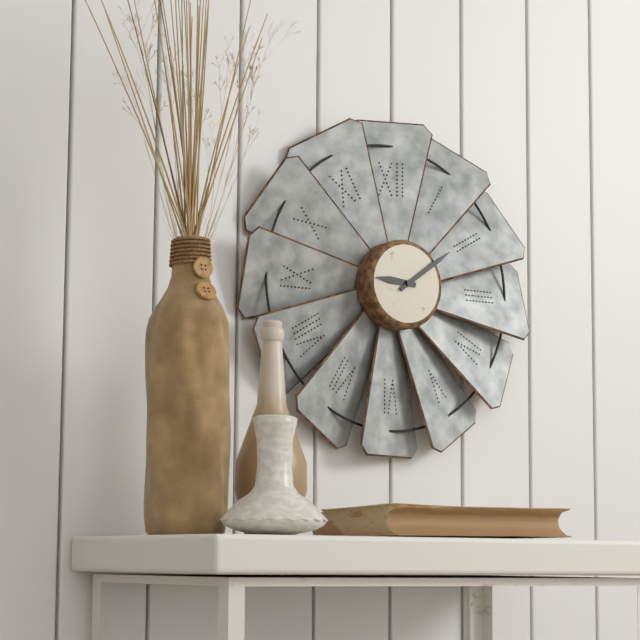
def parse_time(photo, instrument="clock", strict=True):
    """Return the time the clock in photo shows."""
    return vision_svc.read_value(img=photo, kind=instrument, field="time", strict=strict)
9:09
